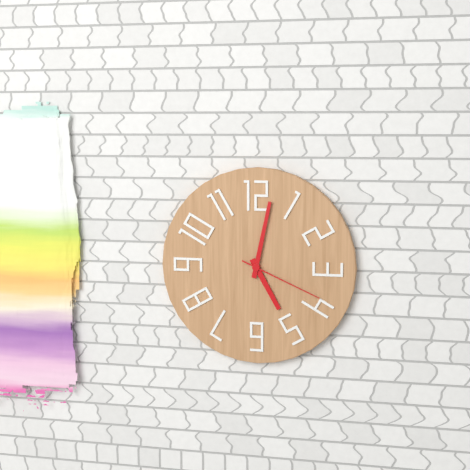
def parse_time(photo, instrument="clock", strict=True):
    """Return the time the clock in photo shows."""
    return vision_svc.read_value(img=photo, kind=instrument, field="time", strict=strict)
5:02:19
